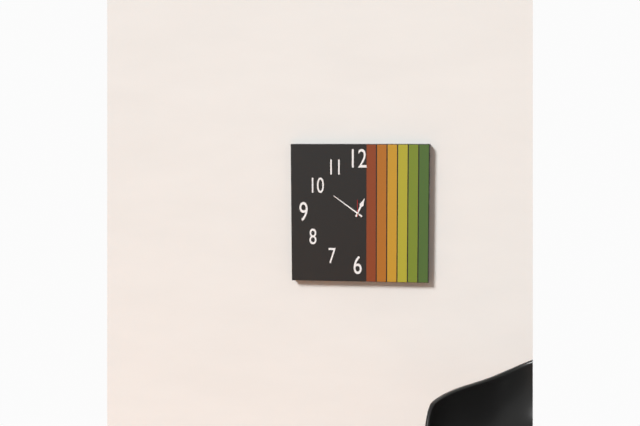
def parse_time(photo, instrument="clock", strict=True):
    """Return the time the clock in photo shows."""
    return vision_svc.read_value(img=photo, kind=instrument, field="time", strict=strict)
12:51
